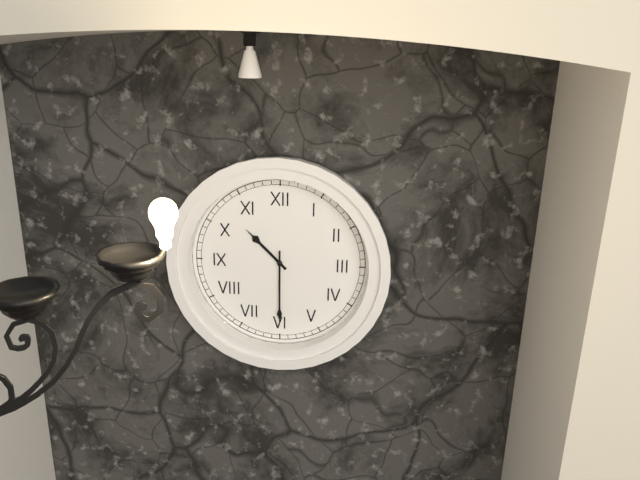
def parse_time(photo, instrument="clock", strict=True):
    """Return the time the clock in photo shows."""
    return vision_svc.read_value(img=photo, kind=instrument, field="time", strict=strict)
10:30
